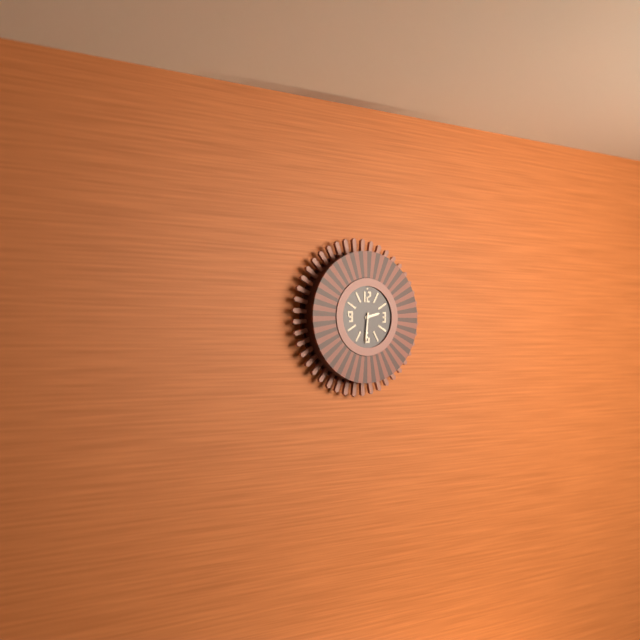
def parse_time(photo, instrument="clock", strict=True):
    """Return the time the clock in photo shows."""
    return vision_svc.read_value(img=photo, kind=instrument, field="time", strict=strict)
2:31
